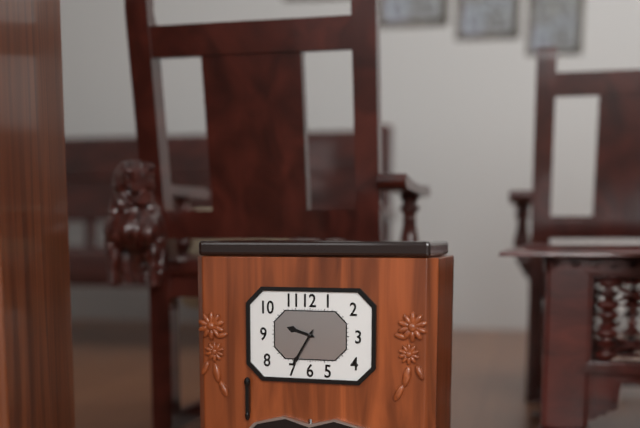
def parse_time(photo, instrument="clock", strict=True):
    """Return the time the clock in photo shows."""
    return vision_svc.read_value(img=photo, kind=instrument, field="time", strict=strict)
9:35
